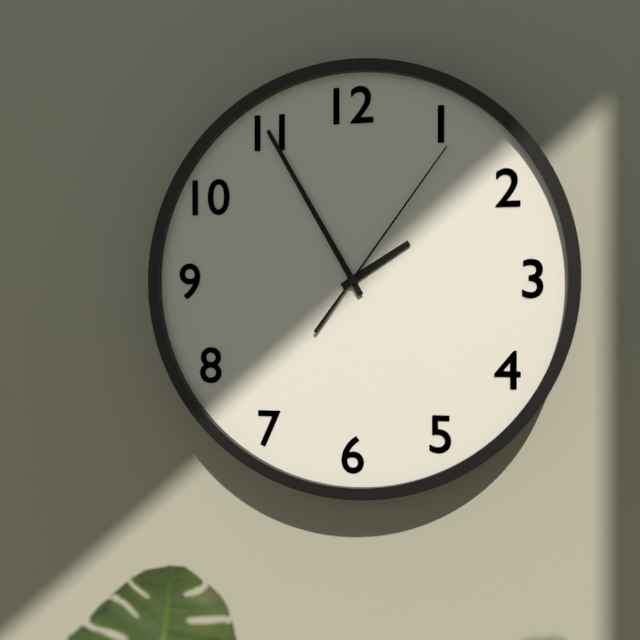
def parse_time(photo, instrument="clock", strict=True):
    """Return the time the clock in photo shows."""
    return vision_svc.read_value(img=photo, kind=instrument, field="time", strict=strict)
1:55:06
